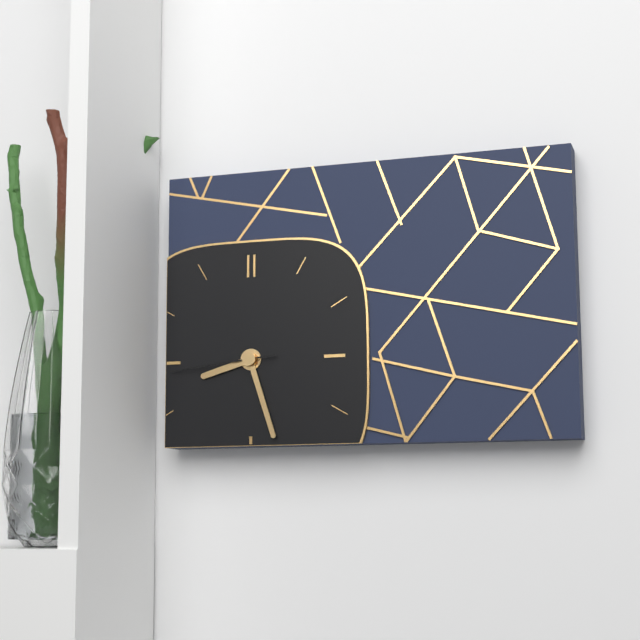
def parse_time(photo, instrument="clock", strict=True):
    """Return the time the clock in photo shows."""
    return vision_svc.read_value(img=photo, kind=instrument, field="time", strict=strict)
8:27:44
